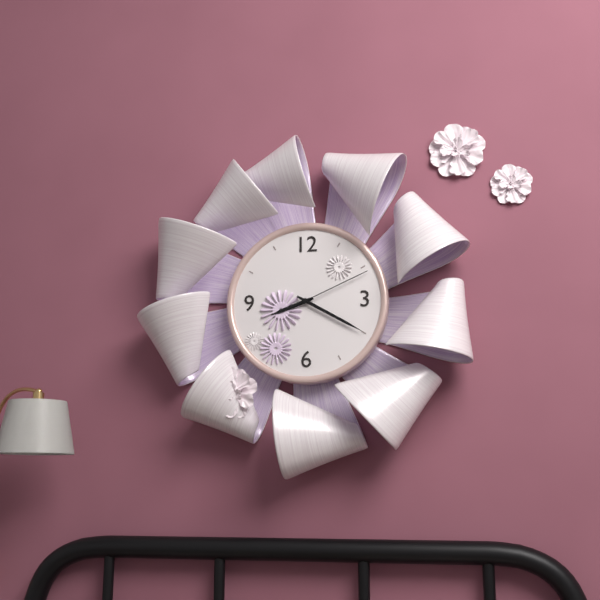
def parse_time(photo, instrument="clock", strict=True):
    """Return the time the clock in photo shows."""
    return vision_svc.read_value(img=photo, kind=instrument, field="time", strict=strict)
8:20:11
